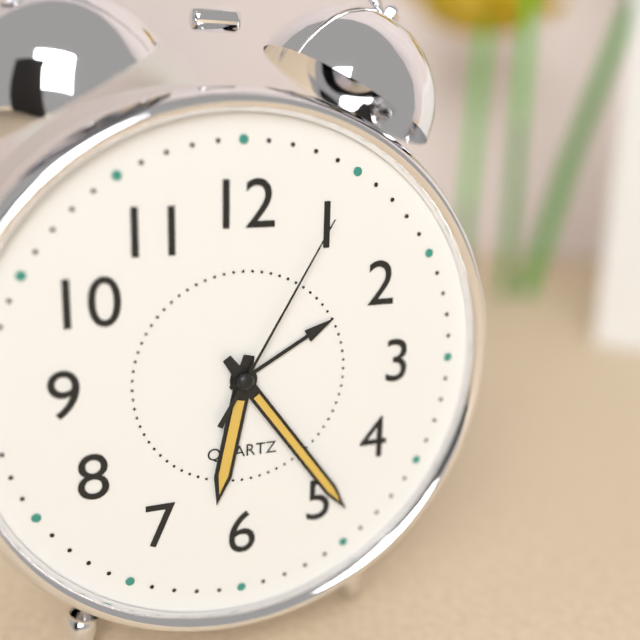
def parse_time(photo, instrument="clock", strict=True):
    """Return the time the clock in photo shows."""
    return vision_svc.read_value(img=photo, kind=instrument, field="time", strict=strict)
6:24:05
